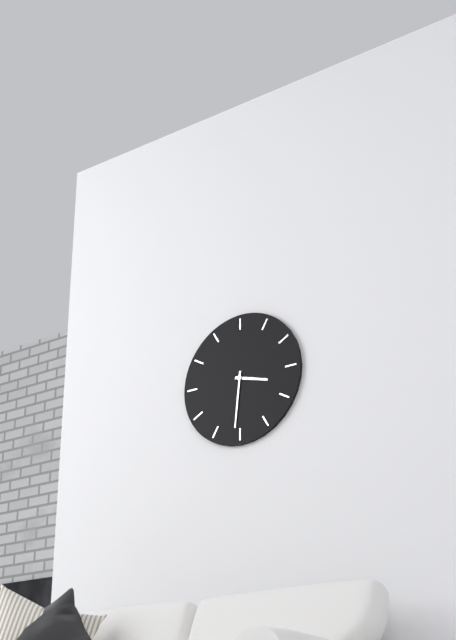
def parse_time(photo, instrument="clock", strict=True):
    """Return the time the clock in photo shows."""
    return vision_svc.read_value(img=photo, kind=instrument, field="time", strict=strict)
3:31
